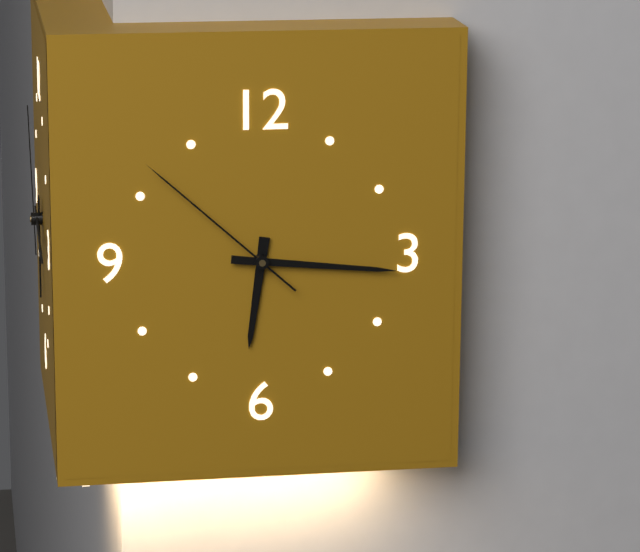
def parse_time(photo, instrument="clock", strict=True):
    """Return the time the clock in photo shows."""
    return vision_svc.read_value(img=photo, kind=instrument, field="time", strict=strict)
6:16:52
